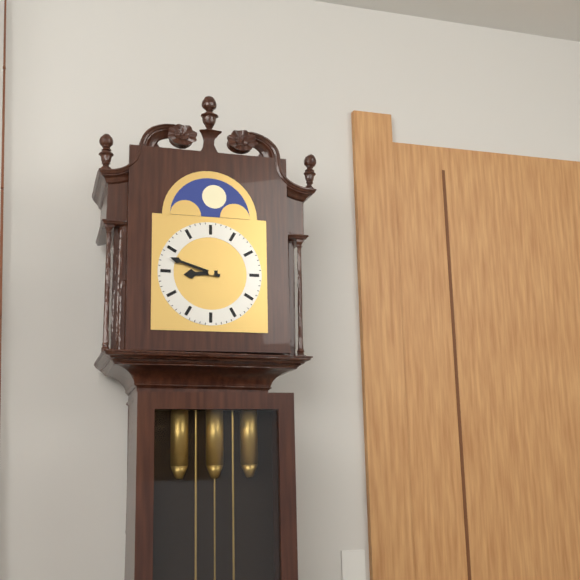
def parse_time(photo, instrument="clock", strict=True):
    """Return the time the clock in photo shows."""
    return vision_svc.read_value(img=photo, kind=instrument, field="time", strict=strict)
8:48
